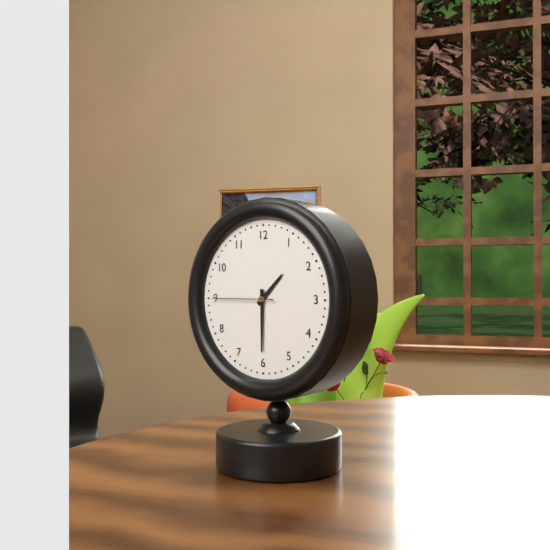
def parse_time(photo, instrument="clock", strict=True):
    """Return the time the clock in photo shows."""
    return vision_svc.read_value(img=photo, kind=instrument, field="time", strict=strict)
1:30:45
